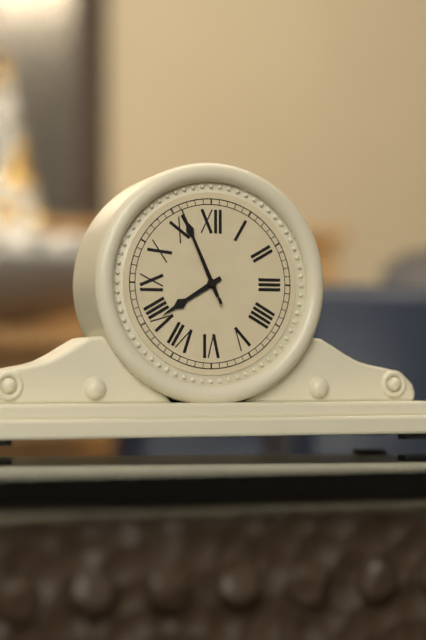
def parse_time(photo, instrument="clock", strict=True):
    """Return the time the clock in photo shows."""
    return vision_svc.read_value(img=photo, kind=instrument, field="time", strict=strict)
7:56:56
